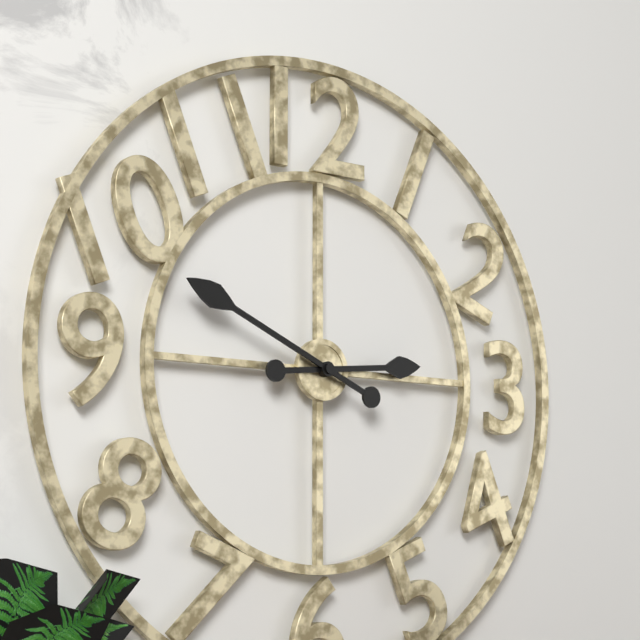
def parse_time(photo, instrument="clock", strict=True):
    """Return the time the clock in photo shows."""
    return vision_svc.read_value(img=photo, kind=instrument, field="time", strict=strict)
2:49
